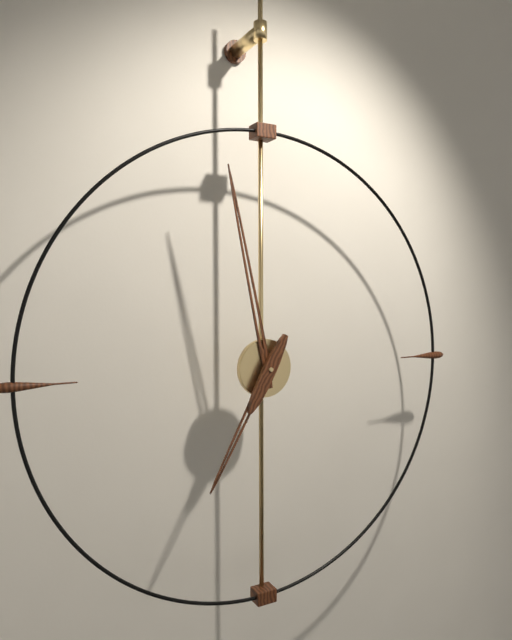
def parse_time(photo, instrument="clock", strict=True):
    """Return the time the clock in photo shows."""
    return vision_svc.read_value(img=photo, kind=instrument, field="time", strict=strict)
6:58
